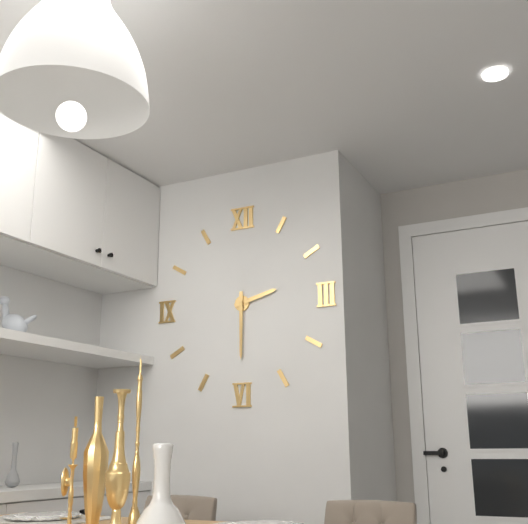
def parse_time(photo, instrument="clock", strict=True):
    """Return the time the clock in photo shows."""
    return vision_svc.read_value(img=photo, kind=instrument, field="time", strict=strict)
2:30
